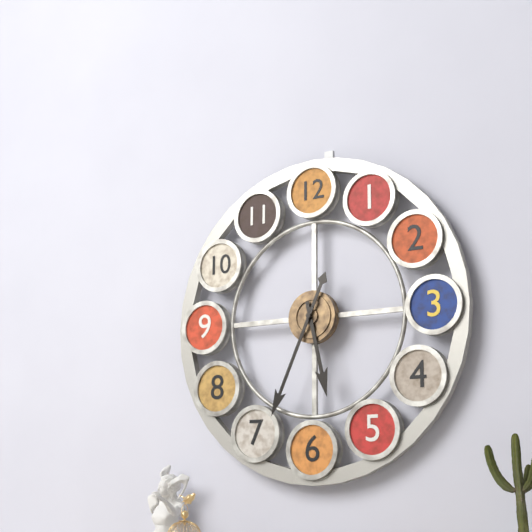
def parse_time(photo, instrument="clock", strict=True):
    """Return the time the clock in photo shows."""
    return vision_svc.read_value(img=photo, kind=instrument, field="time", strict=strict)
5:34
